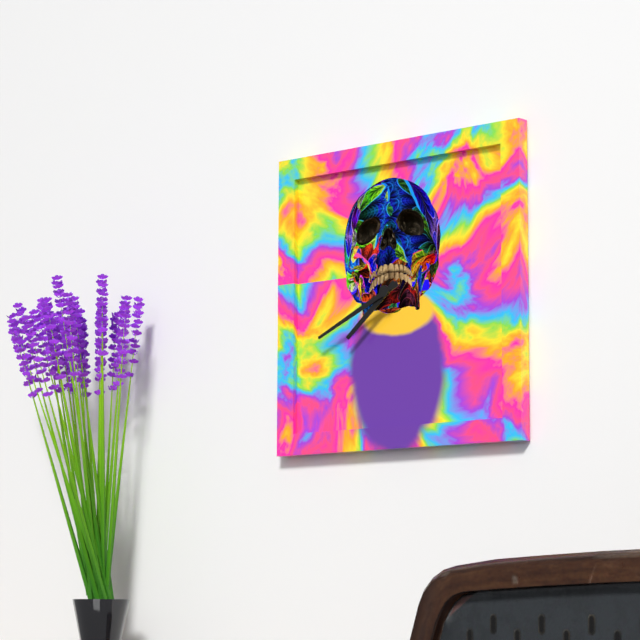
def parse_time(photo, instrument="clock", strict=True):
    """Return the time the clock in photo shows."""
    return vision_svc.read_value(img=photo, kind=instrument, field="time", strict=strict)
7:41
